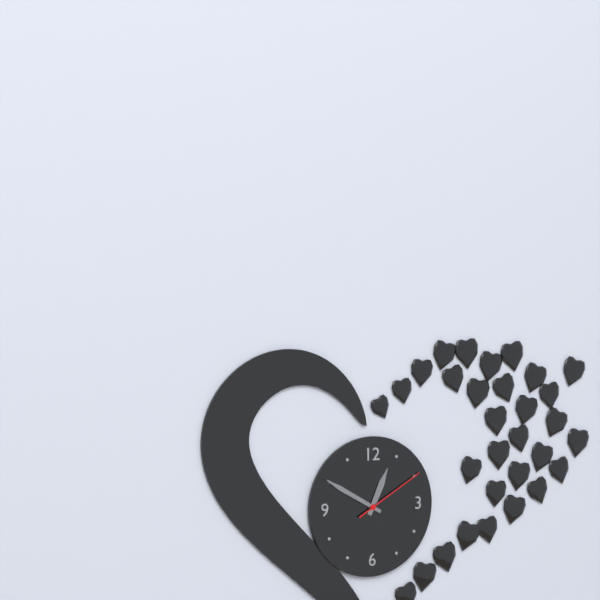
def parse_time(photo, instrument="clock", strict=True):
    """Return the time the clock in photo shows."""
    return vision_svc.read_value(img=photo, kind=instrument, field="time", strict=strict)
12:50:10
